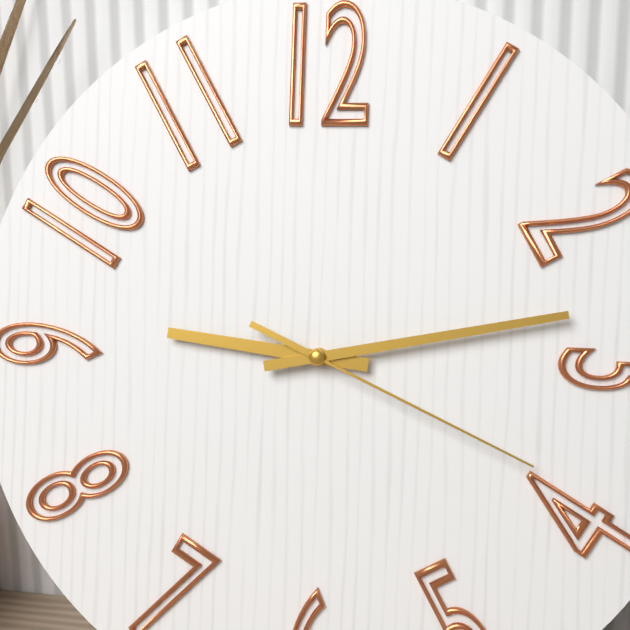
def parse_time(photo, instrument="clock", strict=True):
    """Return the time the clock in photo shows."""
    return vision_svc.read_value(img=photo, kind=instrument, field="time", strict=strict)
9:13:19
